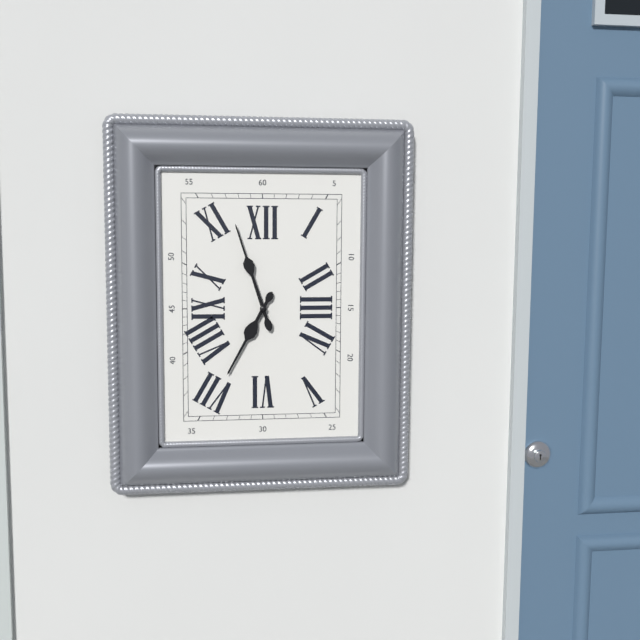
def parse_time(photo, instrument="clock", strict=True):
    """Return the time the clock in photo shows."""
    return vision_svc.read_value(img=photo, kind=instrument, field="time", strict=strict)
6:57
